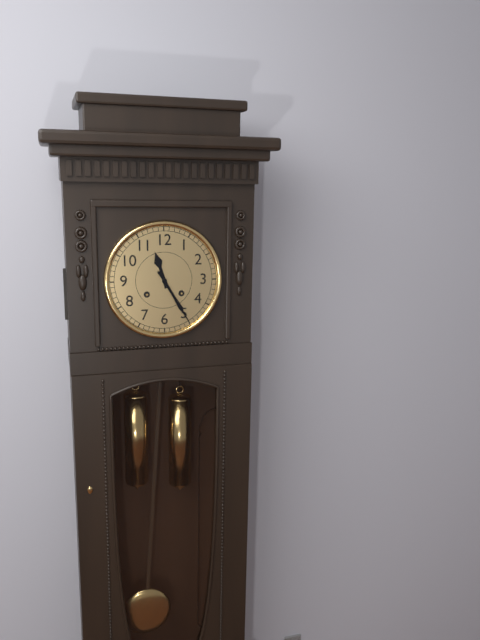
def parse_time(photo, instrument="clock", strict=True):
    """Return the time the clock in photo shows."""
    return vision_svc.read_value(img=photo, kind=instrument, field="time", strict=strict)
11:25
